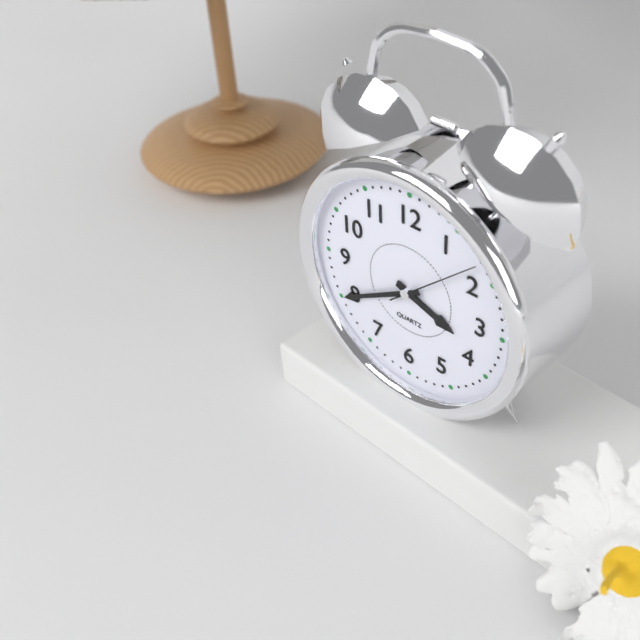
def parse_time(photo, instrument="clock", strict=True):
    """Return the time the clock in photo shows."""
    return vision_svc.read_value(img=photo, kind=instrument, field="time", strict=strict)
3:40:08
